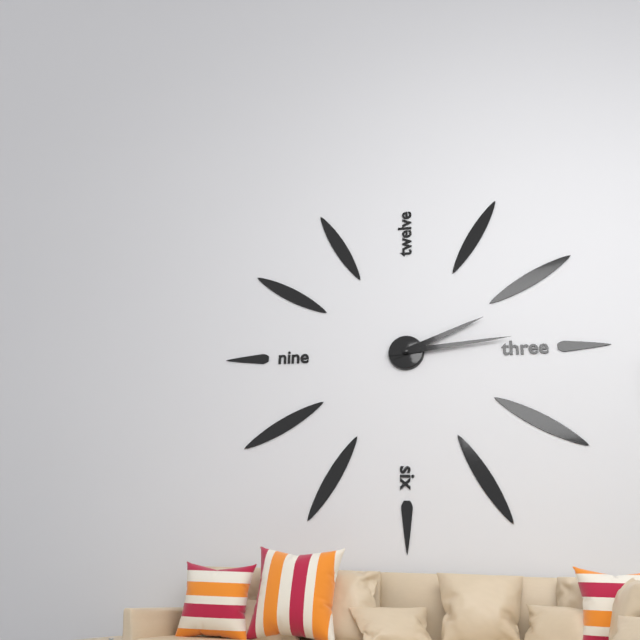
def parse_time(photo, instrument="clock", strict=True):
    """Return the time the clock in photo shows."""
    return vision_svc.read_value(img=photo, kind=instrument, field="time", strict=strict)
2:14
